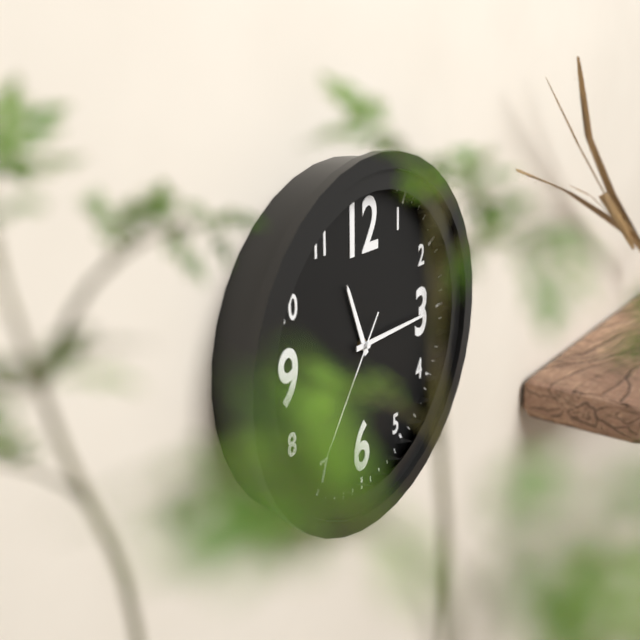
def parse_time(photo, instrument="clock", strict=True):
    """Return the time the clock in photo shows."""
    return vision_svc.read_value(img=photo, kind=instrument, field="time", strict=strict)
11:15
